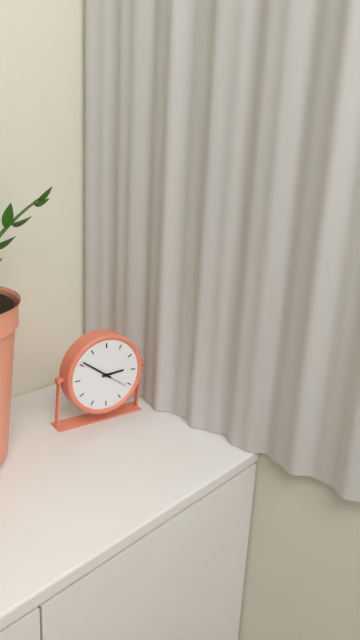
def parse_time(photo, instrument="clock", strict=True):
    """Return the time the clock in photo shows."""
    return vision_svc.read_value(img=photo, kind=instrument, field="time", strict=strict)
2:51
